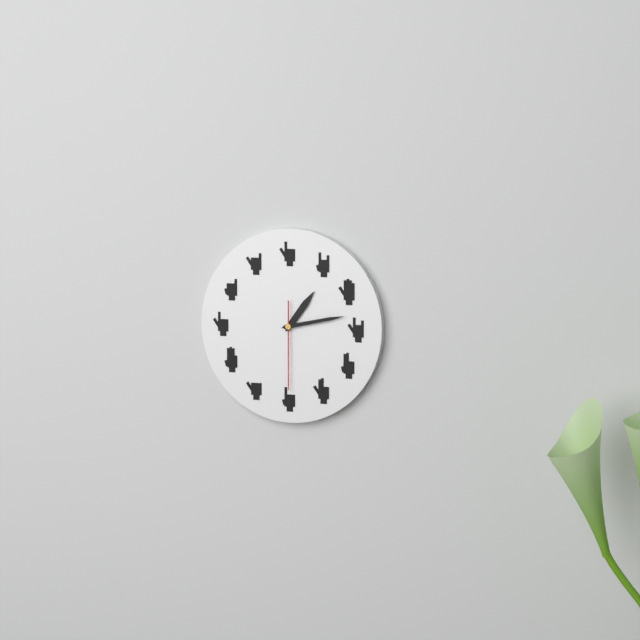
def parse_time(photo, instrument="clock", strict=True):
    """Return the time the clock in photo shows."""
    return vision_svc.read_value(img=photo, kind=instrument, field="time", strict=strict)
1:13:30
